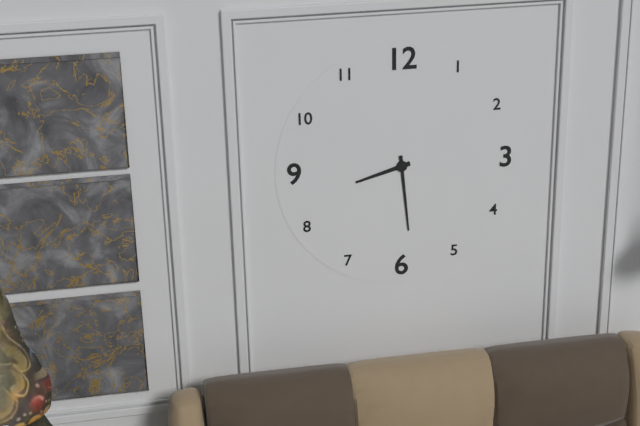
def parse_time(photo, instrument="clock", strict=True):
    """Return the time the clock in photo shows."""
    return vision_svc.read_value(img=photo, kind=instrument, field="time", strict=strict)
8:29
